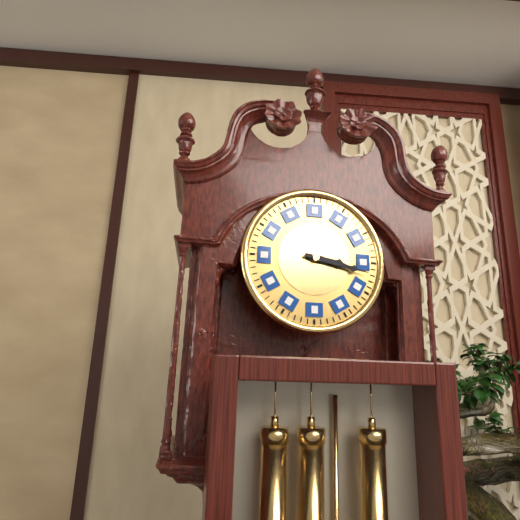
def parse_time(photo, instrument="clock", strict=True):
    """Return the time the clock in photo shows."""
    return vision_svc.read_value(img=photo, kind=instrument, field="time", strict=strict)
3:17
